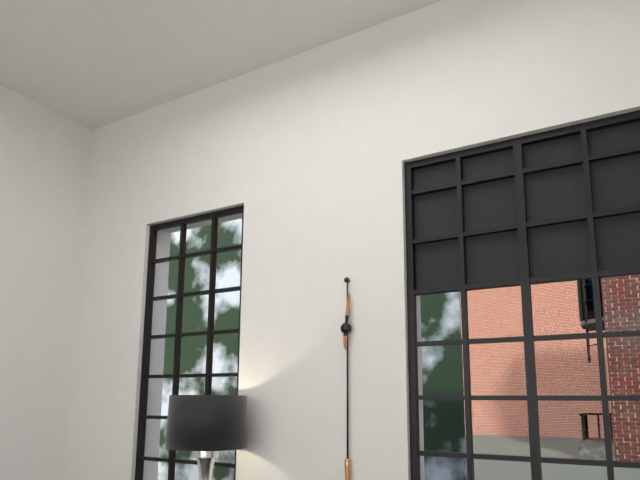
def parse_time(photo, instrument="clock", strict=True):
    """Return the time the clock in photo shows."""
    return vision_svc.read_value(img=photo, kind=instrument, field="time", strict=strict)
6:01
